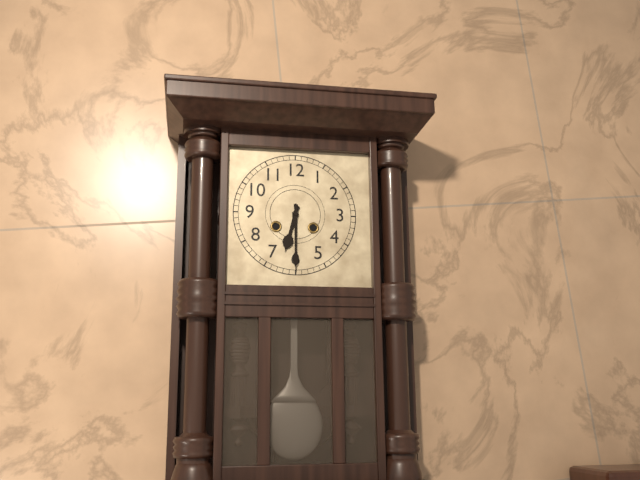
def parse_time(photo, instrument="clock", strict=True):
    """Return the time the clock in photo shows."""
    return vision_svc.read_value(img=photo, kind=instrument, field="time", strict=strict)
6:30
